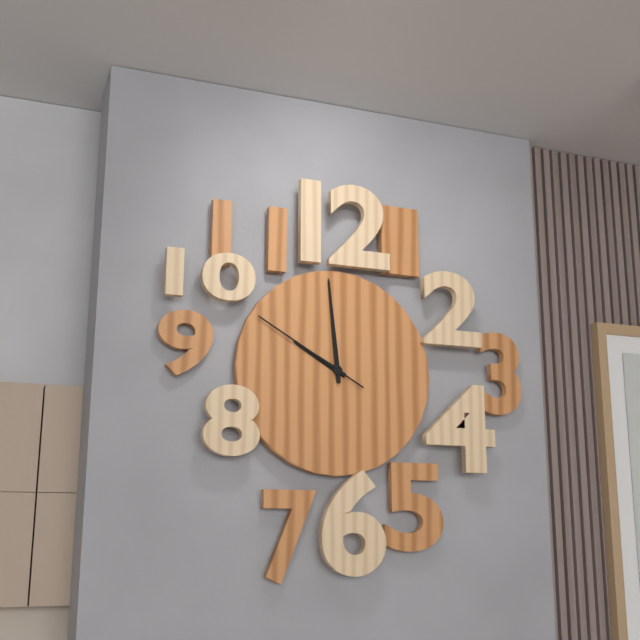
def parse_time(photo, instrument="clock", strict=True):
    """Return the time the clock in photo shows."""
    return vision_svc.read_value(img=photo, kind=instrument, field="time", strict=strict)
9:59:50
